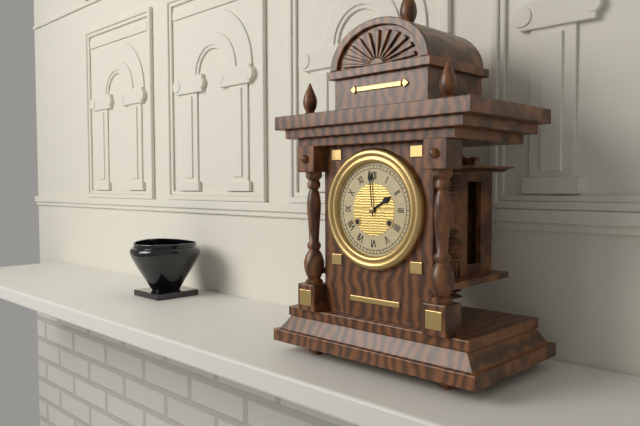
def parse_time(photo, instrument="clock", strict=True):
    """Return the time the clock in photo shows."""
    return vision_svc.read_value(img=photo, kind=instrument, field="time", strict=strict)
1:59
